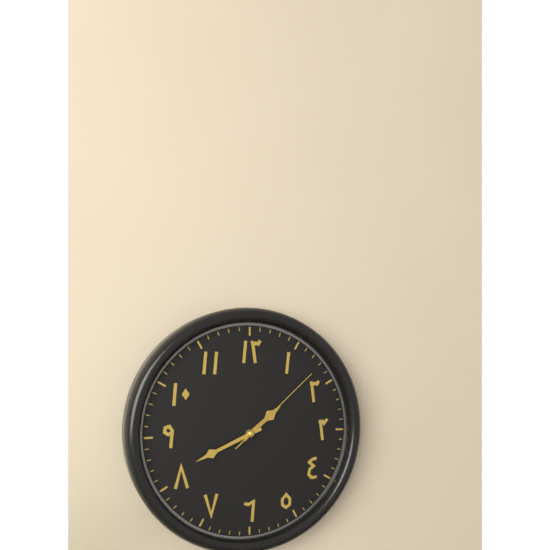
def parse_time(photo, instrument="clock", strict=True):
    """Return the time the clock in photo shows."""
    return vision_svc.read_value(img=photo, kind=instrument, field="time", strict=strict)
1:41:08
